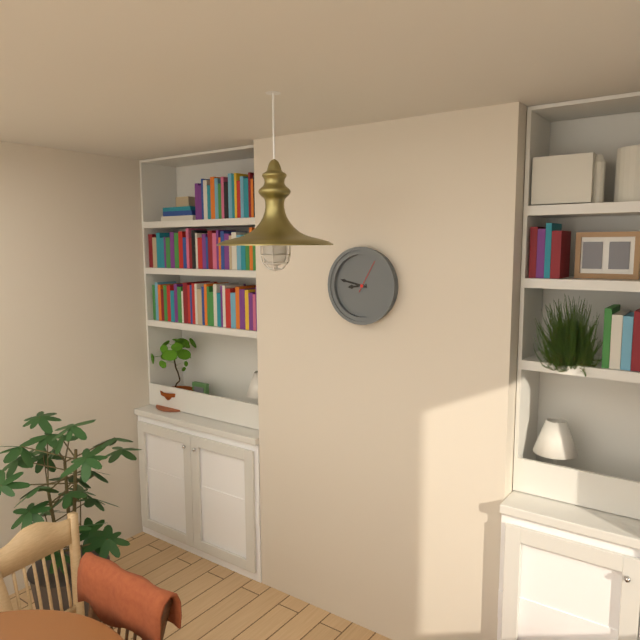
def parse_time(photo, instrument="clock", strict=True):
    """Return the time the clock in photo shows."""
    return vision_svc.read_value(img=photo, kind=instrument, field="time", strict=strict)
8:47
